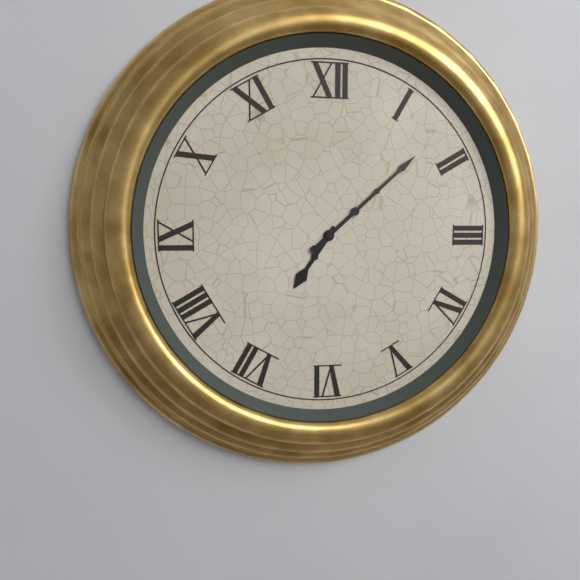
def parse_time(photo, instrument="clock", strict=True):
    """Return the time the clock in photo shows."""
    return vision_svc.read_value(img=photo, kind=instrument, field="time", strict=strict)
7:08
